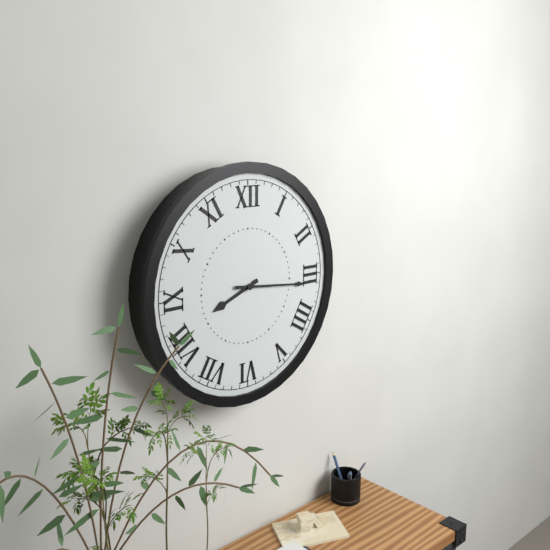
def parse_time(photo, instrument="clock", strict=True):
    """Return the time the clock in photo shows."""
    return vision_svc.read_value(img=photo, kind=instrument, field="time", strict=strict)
8:16
